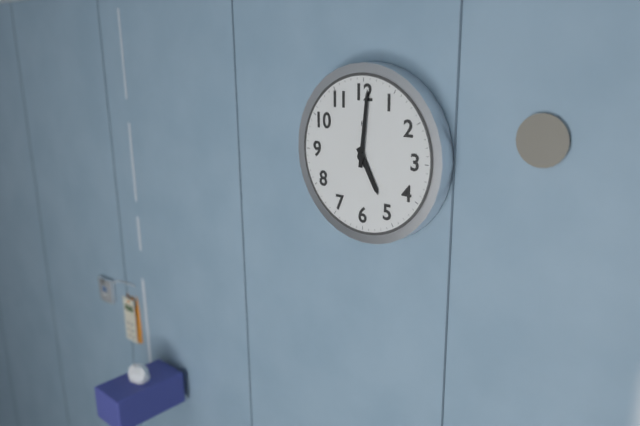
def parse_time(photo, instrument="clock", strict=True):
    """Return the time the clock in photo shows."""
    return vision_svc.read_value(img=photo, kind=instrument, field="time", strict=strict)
5:01
